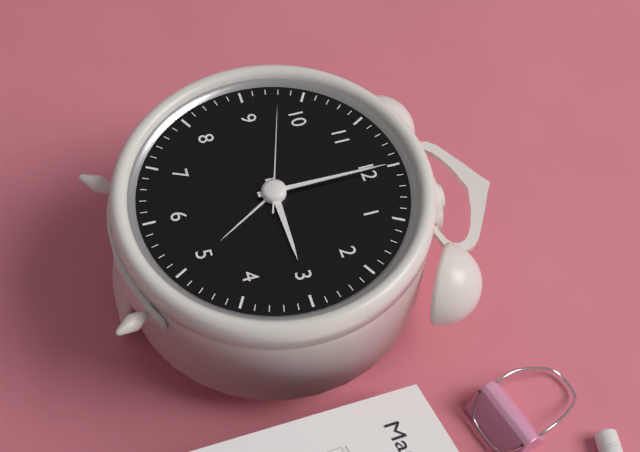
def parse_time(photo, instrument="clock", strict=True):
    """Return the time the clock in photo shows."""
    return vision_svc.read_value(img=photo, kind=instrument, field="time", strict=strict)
3:00:48
